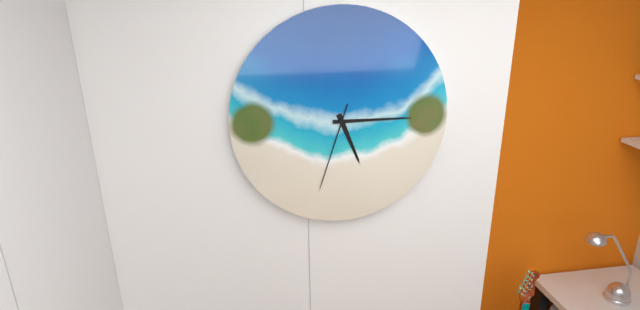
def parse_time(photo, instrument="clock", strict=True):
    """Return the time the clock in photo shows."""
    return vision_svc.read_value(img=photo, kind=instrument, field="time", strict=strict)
5:15:33
